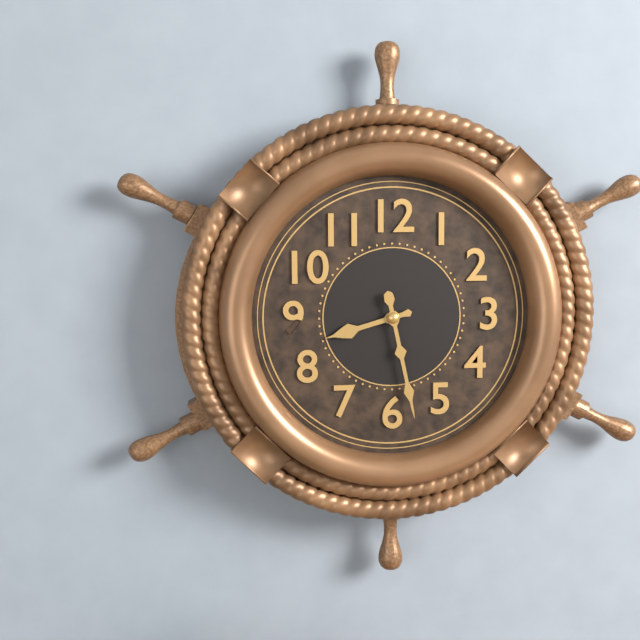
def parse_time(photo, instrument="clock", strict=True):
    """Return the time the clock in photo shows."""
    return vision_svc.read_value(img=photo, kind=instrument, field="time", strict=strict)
8:28
